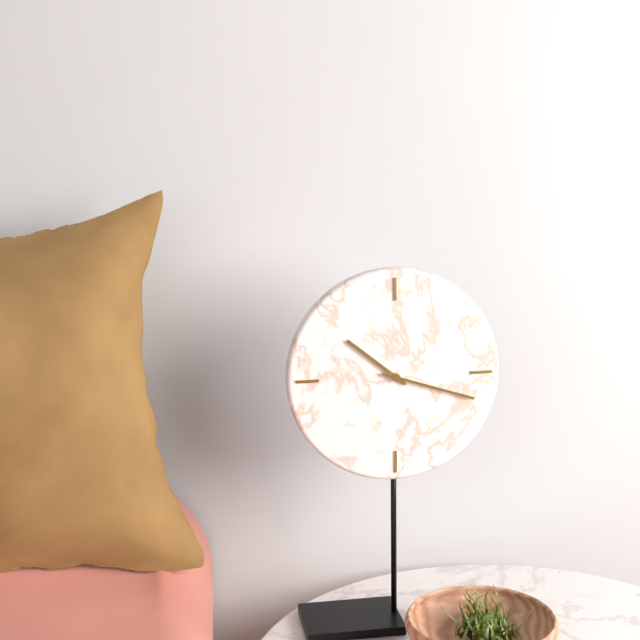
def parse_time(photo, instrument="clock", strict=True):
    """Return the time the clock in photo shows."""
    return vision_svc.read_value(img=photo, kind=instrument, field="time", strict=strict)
10:18
